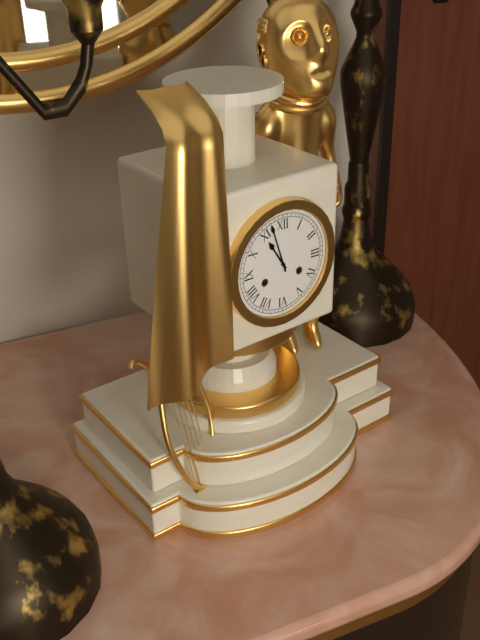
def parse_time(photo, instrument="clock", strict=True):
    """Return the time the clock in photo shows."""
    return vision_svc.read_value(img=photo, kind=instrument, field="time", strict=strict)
10:57
